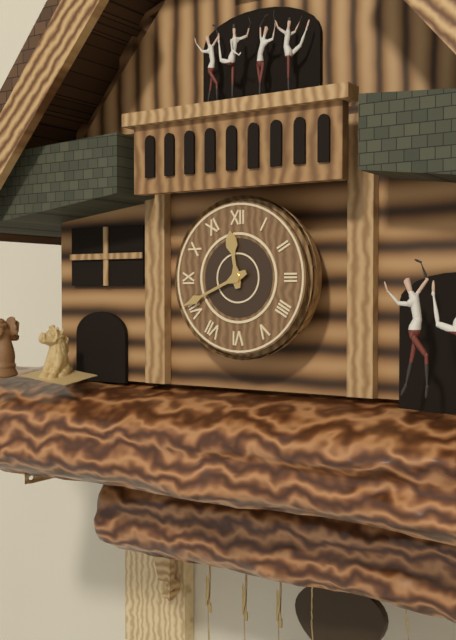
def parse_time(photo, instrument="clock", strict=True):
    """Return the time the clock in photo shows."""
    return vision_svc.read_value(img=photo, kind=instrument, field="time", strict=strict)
11:41
